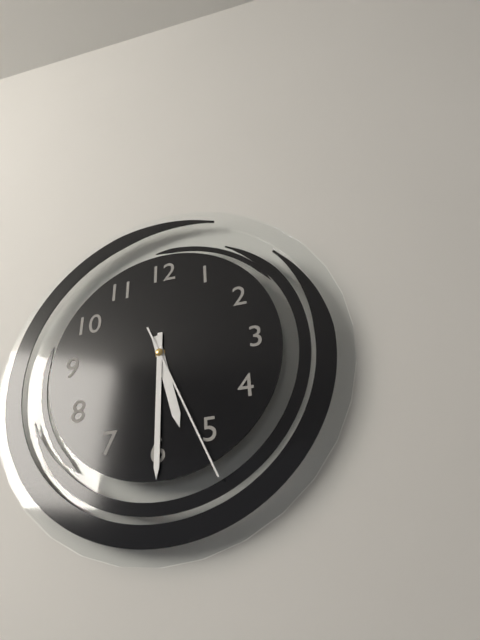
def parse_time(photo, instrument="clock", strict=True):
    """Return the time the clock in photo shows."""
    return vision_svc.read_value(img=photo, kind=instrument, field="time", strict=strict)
5:30:26
